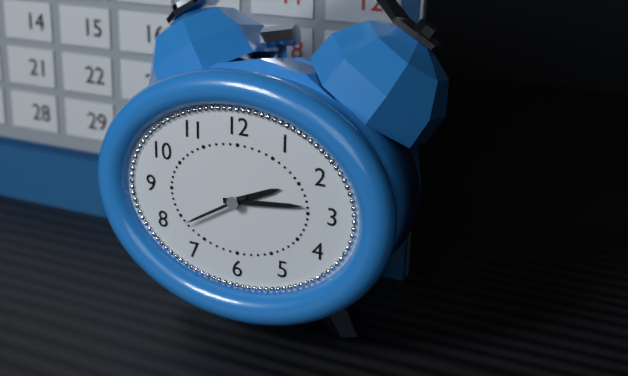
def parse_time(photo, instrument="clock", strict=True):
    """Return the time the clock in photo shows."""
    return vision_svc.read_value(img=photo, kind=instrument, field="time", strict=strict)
2:14:40
